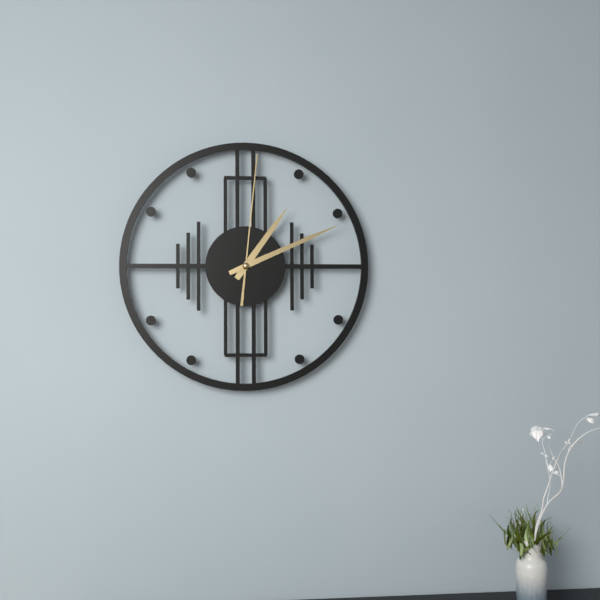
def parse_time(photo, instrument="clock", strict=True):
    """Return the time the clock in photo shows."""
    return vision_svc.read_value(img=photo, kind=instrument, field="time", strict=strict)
1:11:01
